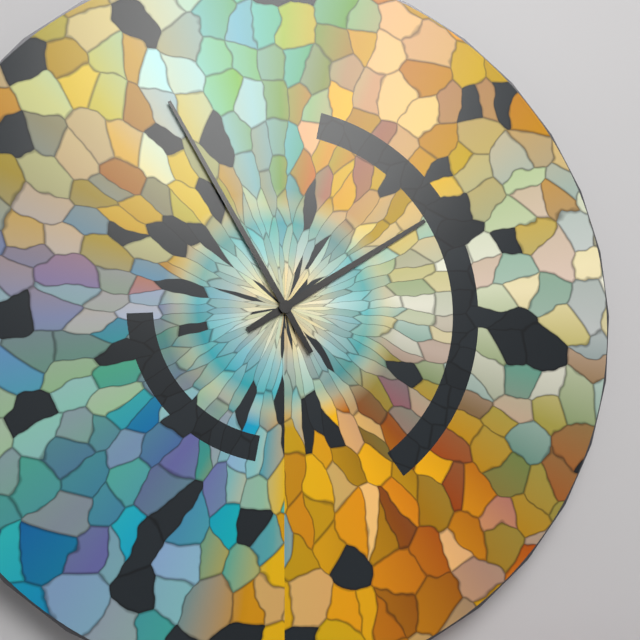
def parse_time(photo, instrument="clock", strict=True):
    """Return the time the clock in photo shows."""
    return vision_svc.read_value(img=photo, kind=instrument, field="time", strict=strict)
1:55
